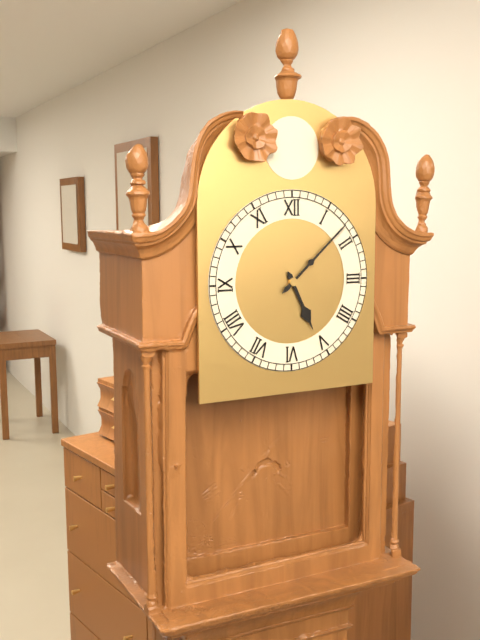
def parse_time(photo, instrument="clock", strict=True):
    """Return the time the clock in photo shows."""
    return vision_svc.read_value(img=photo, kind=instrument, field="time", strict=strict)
5:08
